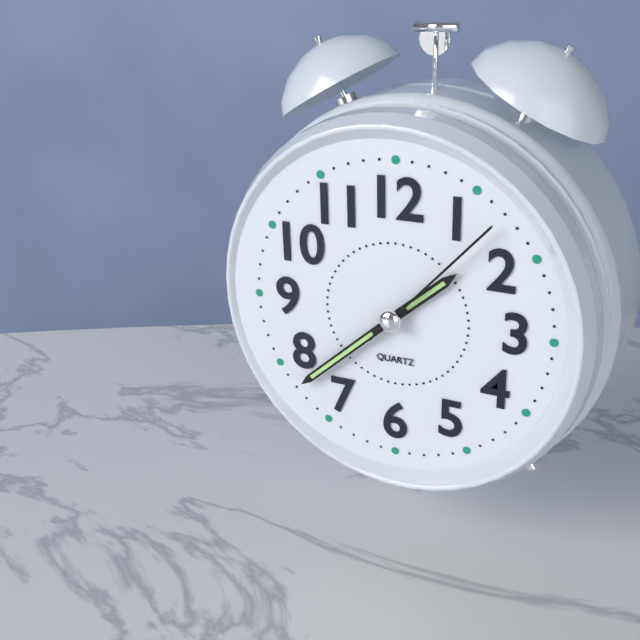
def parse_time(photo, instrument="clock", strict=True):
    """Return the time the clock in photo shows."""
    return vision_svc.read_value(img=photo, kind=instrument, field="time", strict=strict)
1:38:07
